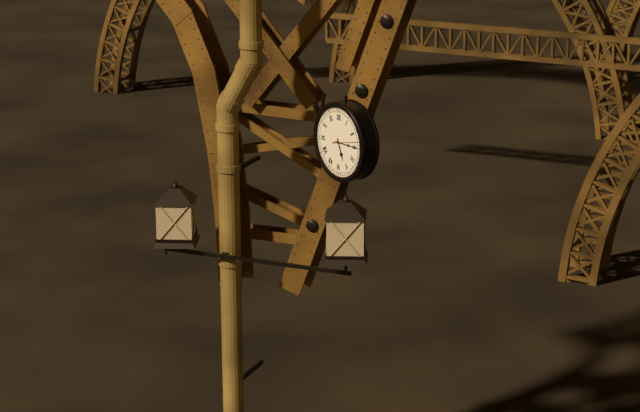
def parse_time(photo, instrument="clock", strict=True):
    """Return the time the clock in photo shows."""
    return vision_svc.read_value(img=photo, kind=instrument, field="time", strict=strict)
5:15
